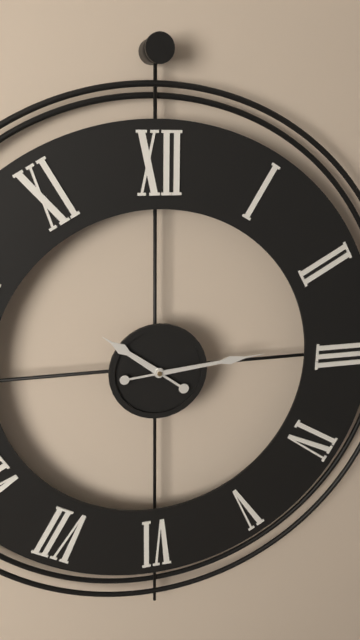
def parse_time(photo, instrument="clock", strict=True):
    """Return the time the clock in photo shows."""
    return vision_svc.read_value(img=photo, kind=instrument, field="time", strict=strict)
10:14
